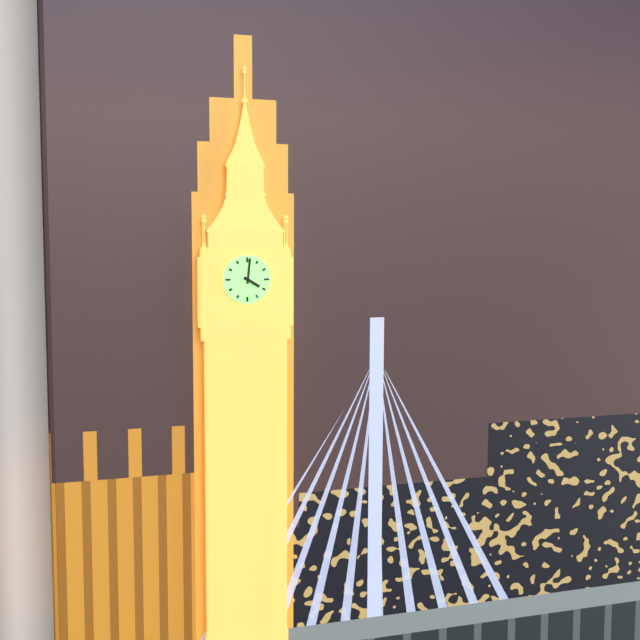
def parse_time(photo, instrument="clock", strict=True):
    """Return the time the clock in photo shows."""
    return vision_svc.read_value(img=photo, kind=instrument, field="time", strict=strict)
4:01
